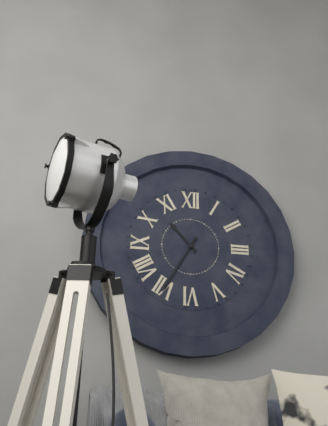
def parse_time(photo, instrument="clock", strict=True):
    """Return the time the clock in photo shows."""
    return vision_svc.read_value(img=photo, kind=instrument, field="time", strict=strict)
10:35
